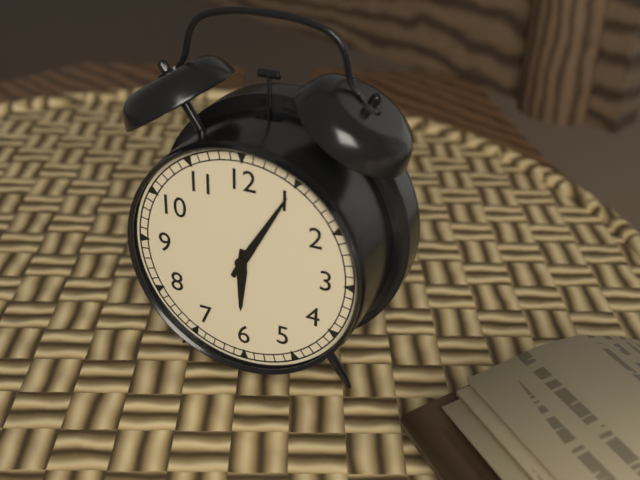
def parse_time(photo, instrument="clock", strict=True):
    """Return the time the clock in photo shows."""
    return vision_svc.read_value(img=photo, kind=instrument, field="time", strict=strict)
6:05
